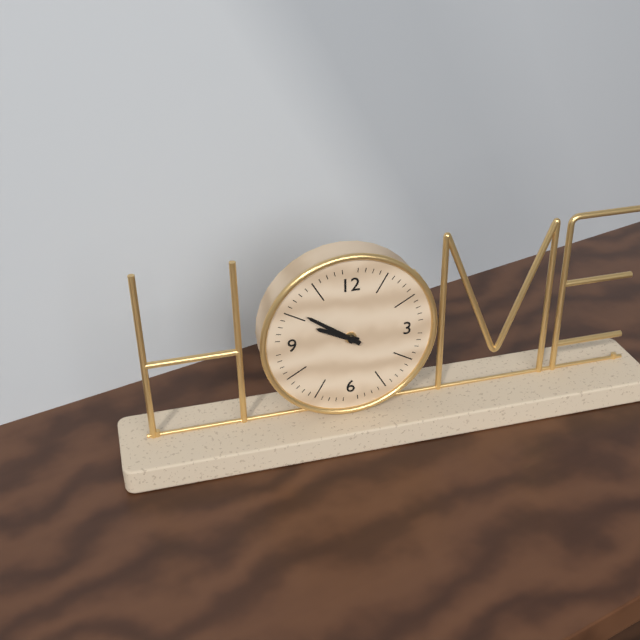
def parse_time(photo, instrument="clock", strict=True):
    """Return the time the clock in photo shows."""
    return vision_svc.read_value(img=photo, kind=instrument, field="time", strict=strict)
9:51
